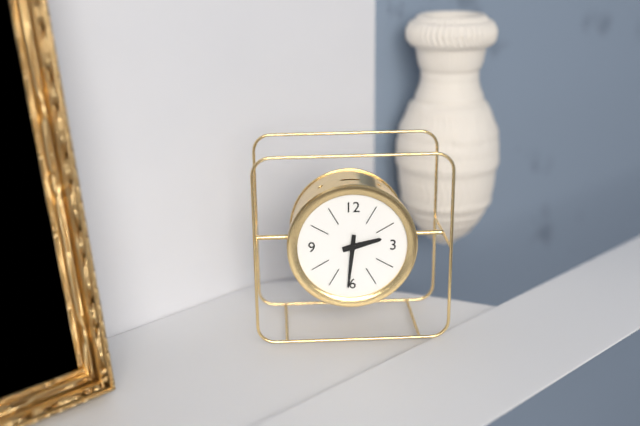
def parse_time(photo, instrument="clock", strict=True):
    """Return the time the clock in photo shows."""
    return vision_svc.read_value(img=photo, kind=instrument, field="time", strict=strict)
2:31
